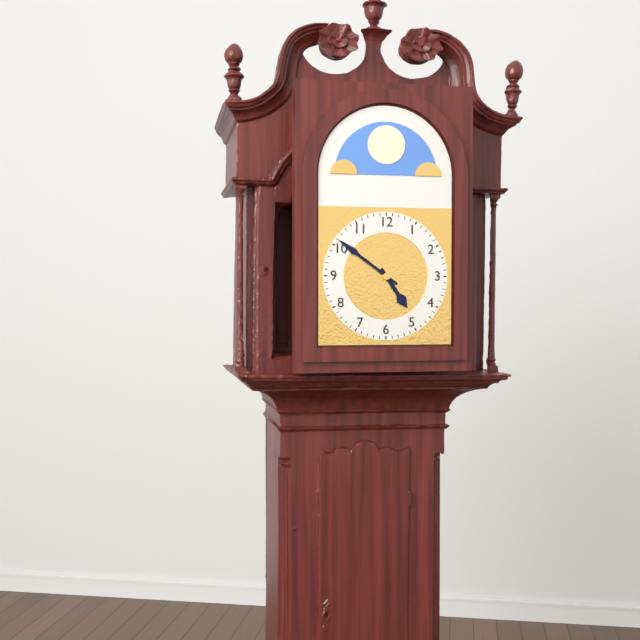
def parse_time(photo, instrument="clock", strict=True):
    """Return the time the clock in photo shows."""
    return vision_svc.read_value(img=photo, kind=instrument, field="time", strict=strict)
4:51
